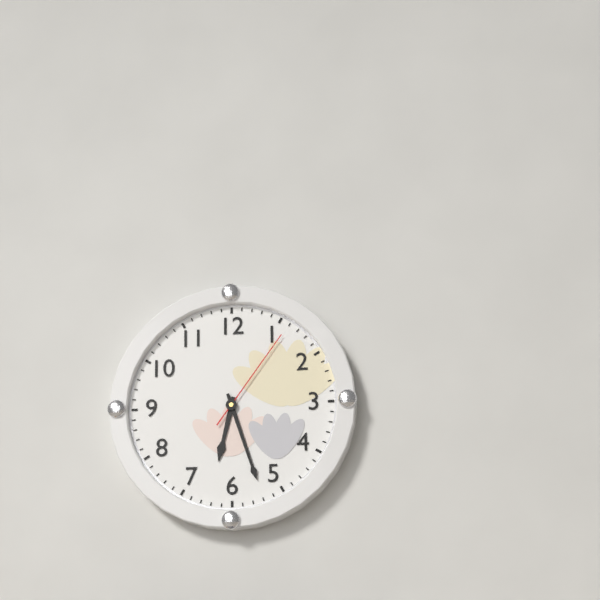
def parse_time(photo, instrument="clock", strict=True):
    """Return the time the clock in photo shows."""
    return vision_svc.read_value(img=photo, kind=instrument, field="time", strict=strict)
6:27:06
